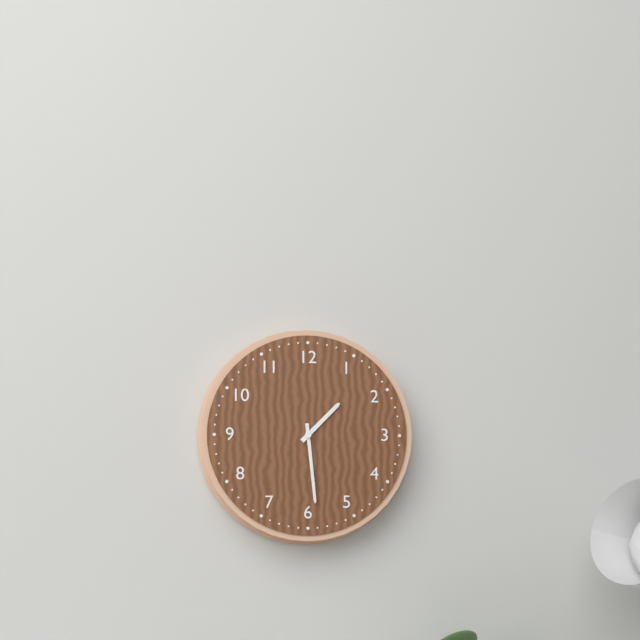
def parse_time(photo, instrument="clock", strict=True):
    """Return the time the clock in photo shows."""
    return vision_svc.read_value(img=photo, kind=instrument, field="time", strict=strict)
1:29
